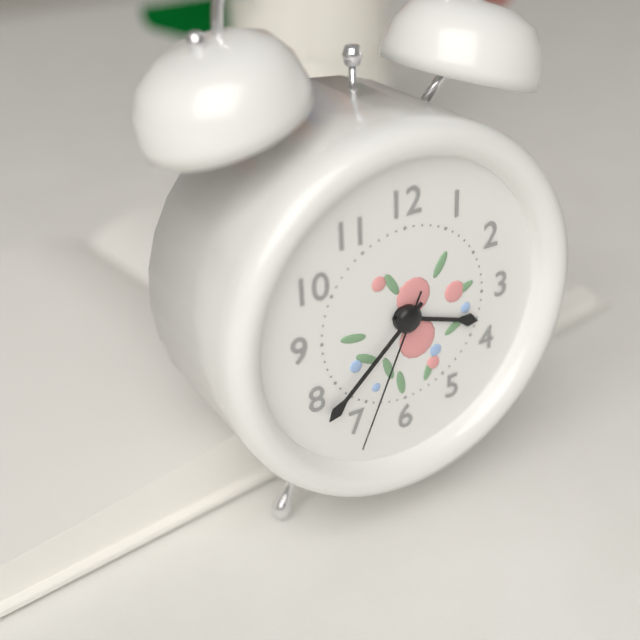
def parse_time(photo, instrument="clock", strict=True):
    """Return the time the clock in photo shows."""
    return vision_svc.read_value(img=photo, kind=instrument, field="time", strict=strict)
3:38:34
